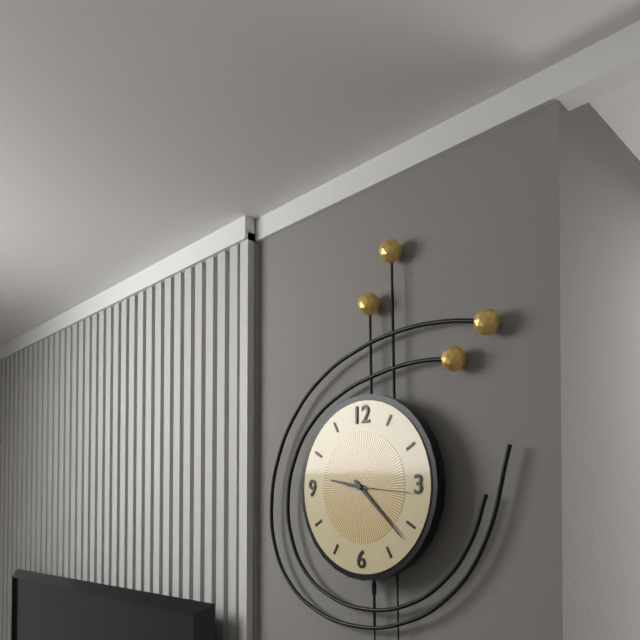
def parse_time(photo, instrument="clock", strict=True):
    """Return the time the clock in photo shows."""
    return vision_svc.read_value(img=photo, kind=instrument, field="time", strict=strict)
9:22:16
